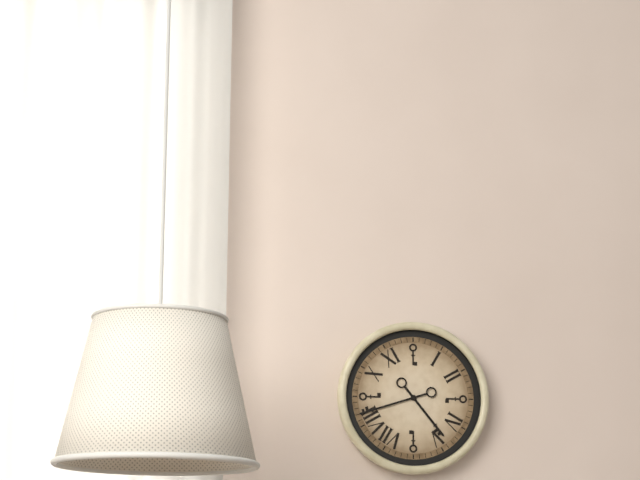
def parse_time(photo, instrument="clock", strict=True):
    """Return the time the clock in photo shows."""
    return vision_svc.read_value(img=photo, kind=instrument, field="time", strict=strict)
4:42
